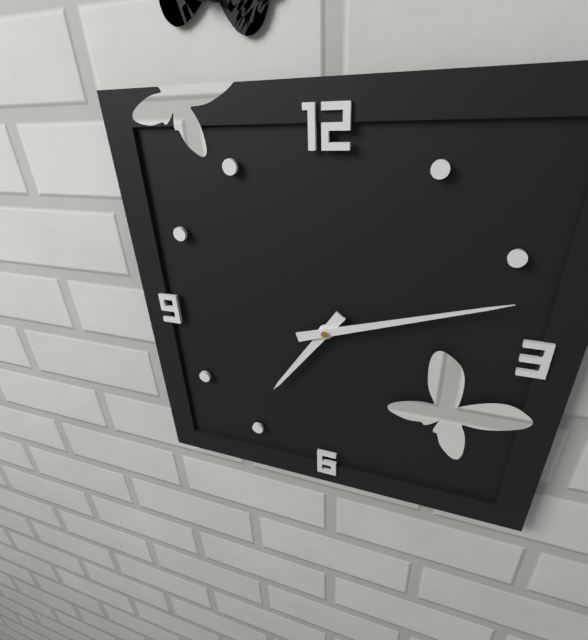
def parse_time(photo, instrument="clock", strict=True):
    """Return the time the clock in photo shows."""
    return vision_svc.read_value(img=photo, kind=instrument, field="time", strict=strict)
7:12
